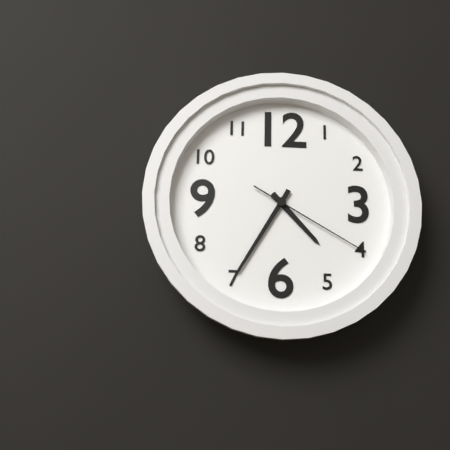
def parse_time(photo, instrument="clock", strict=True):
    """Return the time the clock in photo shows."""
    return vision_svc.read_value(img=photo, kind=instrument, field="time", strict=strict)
4:35:20
